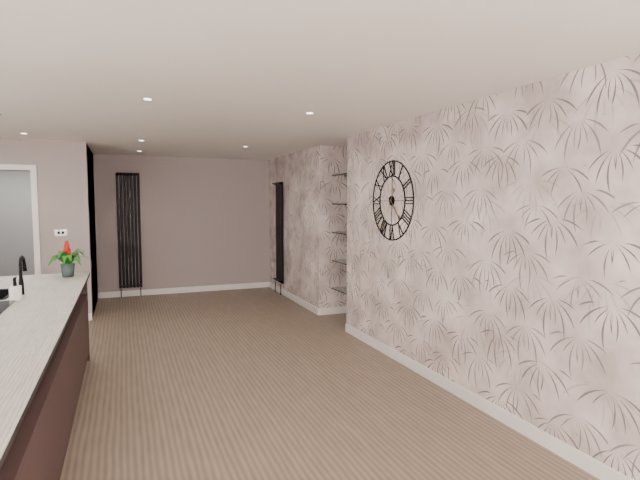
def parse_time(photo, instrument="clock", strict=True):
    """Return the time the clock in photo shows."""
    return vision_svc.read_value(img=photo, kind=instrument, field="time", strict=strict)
4:35
